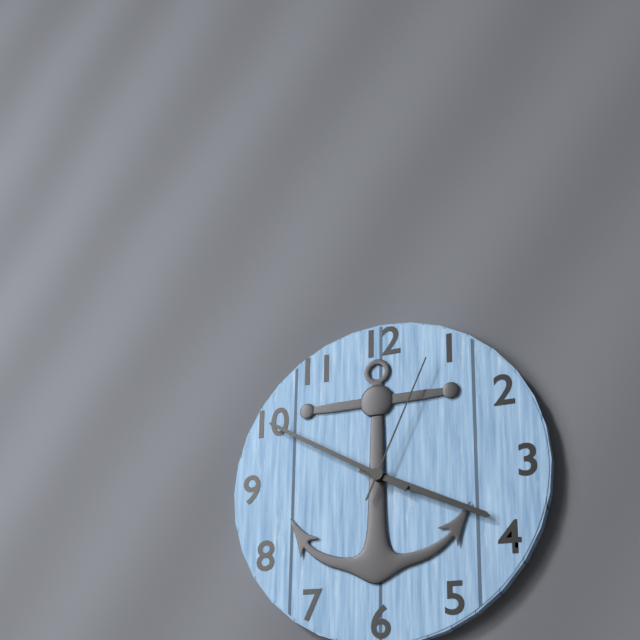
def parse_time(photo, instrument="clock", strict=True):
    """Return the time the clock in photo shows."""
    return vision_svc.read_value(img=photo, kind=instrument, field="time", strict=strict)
3:50:04
